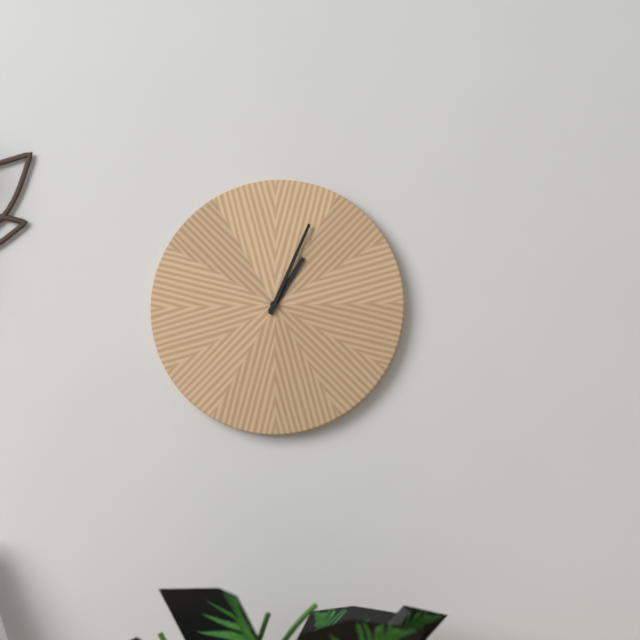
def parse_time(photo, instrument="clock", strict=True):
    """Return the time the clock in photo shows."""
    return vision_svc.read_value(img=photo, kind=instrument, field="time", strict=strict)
1:04
